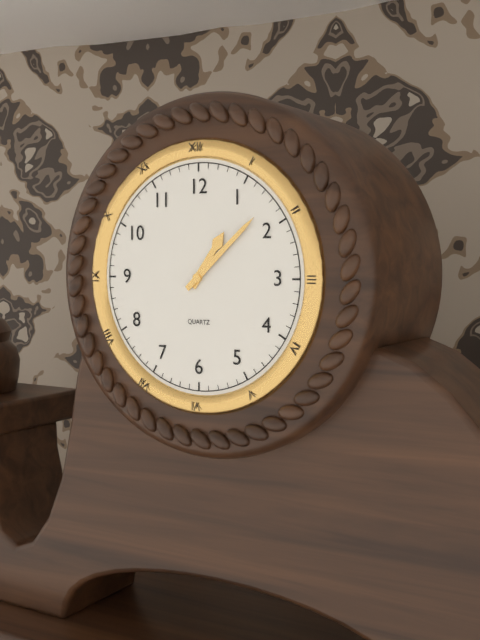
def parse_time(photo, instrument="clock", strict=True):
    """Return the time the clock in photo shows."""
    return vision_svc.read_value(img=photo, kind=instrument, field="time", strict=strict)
1:08
